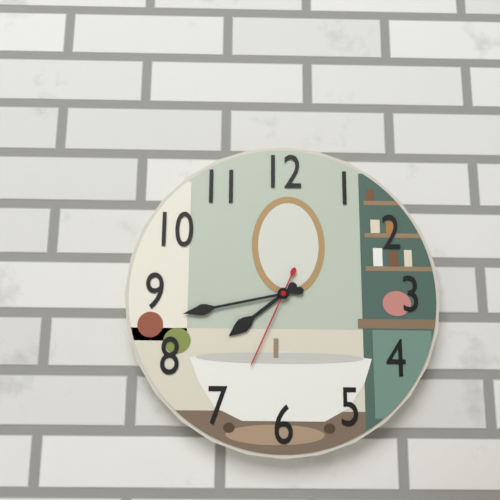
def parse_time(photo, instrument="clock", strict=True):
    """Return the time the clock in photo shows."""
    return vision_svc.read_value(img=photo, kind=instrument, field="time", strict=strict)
7:43:34
